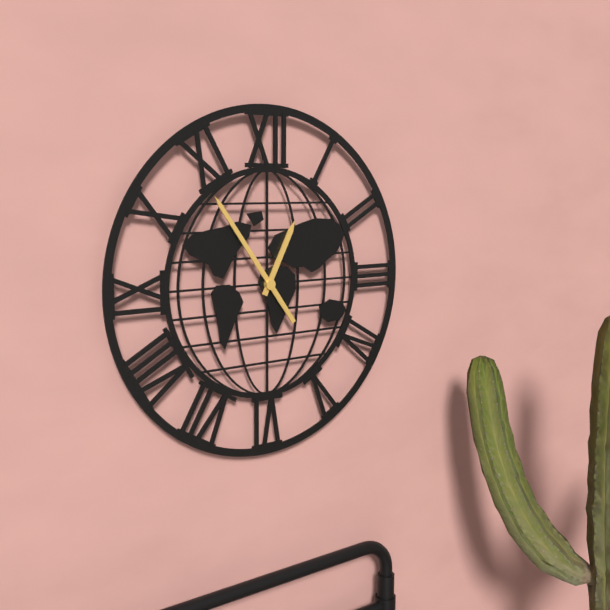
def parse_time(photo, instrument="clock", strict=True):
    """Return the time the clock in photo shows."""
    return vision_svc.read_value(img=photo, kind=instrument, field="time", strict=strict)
12:54
